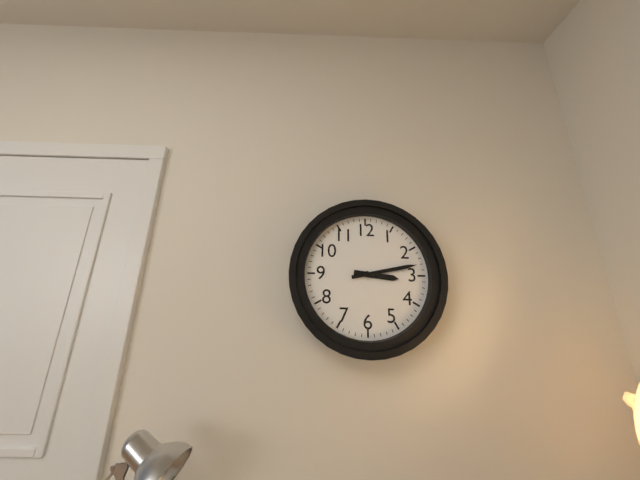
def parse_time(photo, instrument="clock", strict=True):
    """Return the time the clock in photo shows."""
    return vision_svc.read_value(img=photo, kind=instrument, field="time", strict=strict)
3:13
